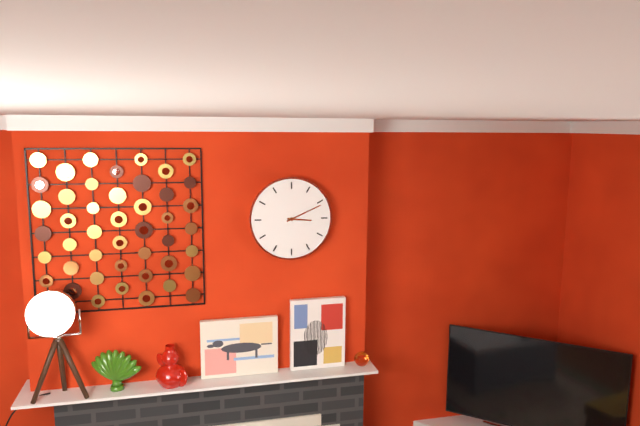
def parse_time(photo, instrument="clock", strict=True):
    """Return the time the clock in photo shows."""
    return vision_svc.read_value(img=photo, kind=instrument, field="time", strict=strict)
3:11
